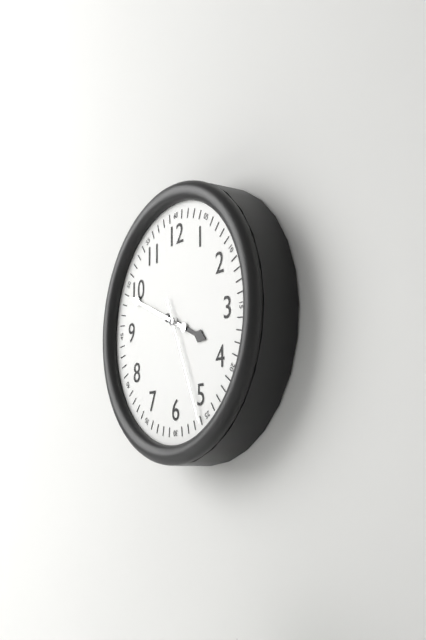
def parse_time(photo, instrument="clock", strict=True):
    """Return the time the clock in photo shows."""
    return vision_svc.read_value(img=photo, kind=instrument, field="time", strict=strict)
3:49:26
